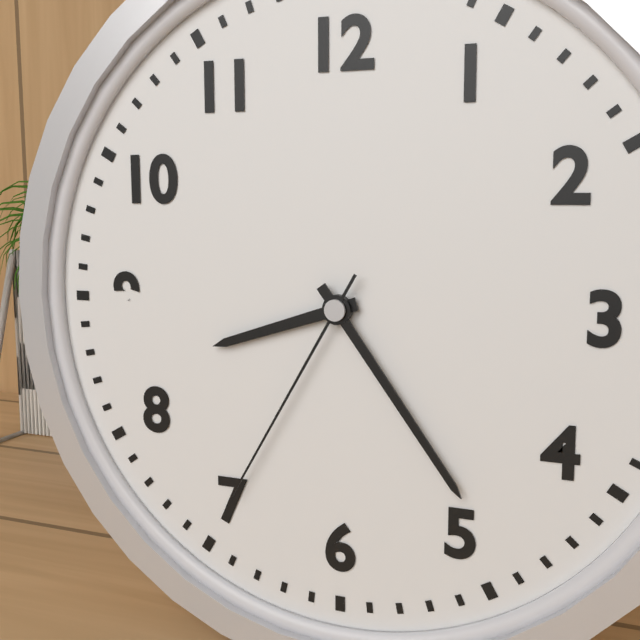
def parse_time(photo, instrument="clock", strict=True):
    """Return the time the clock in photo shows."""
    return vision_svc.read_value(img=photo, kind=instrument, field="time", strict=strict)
8:24:35
